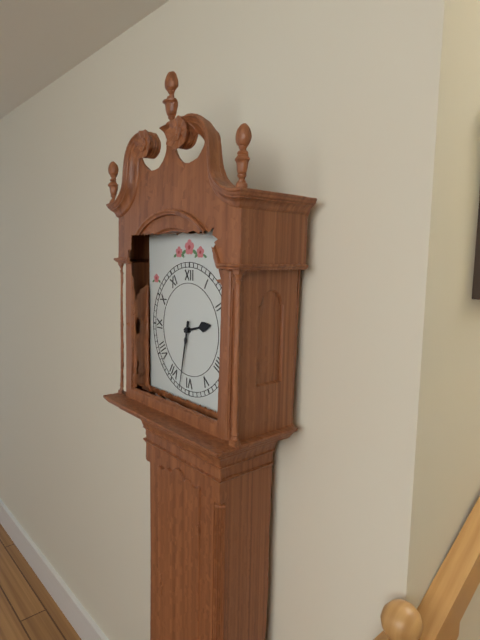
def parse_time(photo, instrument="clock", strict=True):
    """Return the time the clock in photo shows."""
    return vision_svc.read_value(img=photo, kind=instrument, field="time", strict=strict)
2:32
